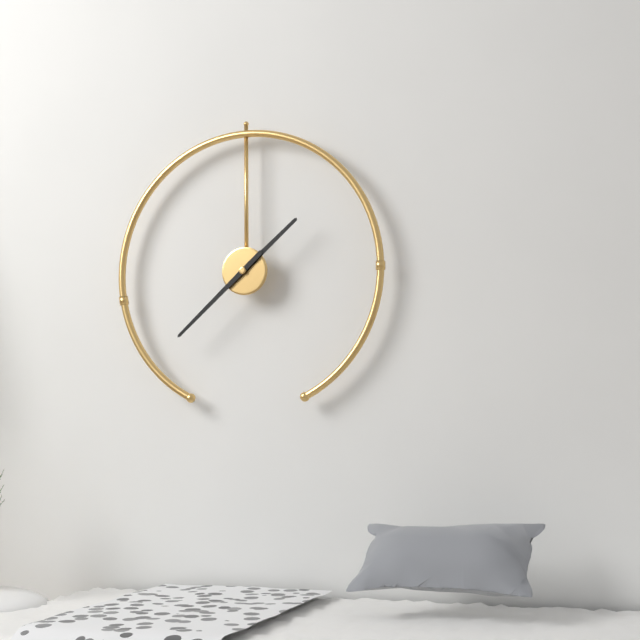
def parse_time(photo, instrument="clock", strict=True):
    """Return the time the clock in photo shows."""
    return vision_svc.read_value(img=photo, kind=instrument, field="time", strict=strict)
1:38
